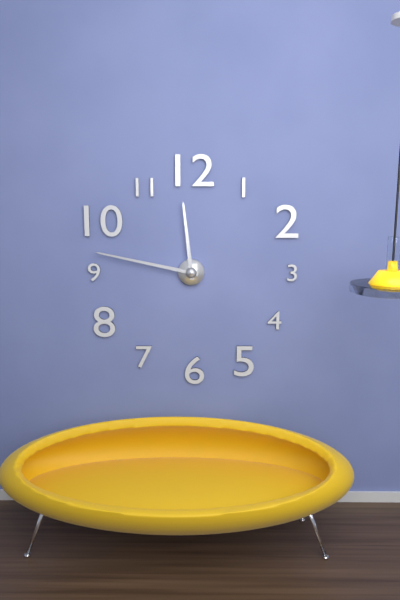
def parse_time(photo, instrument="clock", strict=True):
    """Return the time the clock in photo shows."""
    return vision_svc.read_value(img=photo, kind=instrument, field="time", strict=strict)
11:47
